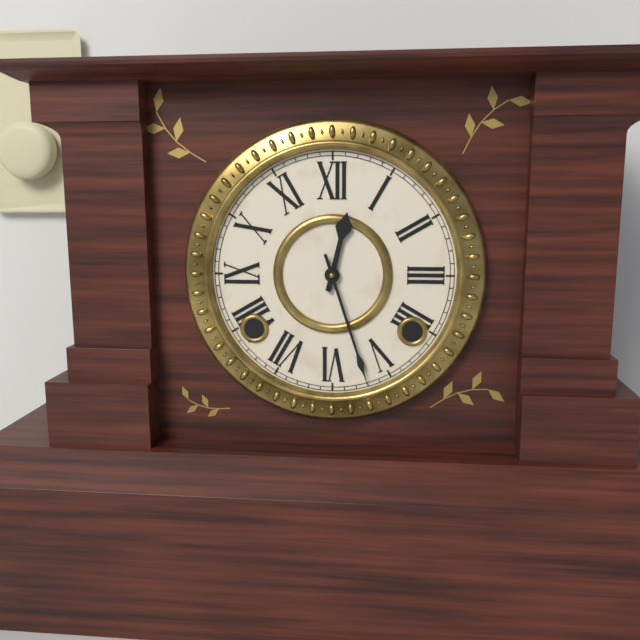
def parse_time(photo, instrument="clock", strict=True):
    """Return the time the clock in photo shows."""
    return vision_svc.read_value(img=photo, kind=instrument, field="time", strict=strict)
12:27
